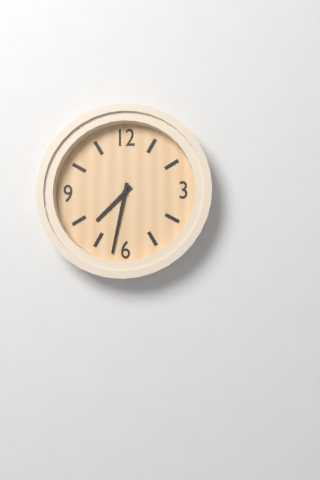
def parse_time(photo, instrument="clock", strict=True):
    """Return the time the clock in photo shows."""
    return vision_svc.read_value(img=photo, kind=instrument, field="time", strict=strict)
7:32
